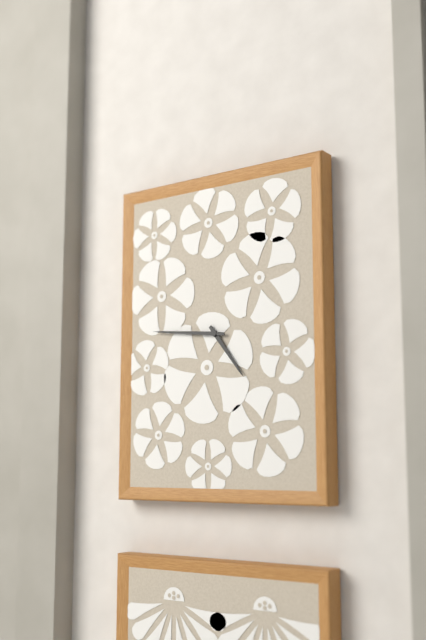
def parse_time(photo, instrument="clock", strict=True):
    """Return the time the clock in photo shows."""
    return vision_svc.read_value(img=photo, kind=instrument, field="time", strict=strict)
4:46
